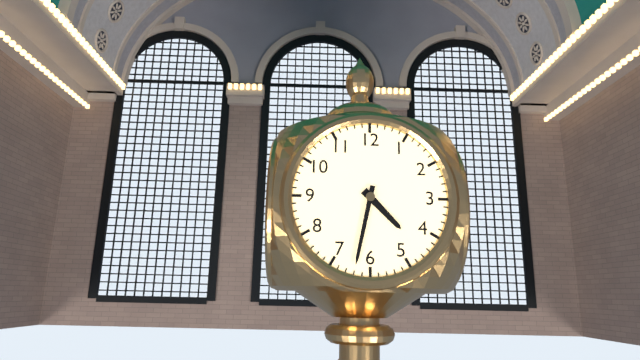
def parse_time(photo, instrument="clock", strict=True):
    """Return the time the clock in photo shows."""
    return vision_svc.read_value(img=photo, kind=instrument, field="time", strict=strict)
4:32
